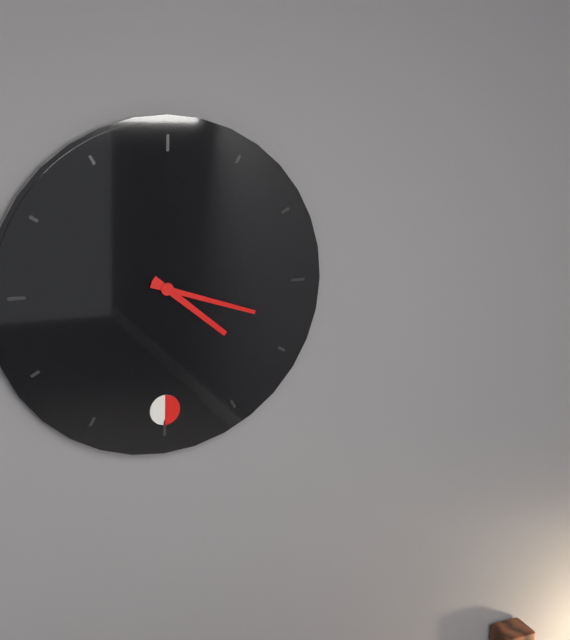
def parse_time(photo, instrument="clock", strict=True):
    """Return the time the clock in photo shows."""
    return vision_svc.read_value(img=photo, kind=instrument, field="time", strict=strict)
4:18
